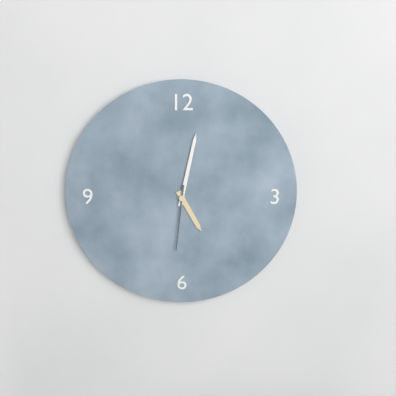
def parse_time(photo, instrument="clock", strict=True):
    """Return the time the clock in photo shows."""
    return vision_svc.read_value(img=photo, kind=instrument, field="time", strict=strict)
5:02:31
